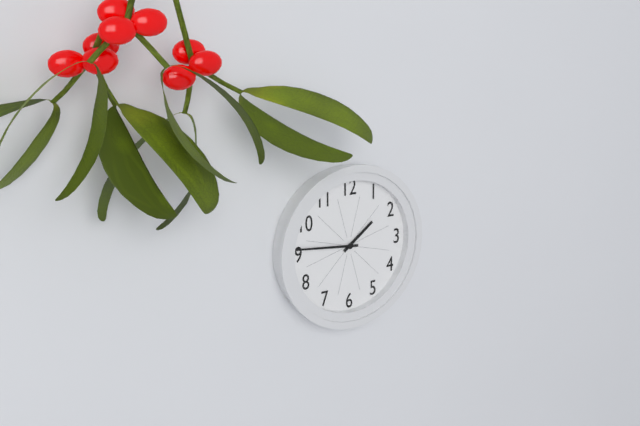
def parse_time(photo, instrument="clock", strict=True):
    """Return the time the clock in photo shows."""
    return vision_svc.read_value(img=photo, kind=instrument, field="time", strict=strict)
1:46
